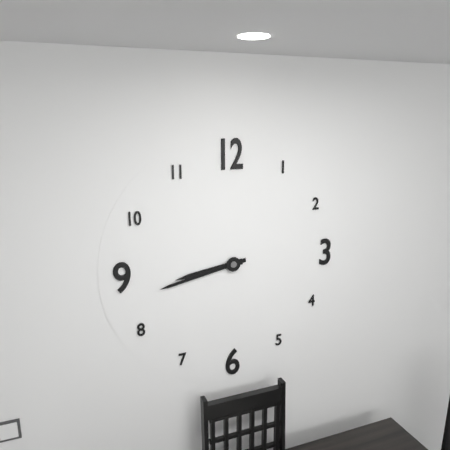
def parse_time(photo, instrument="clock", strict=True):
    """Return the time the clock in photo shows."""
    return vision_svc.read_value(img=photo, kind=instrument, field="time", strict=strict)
8:43
